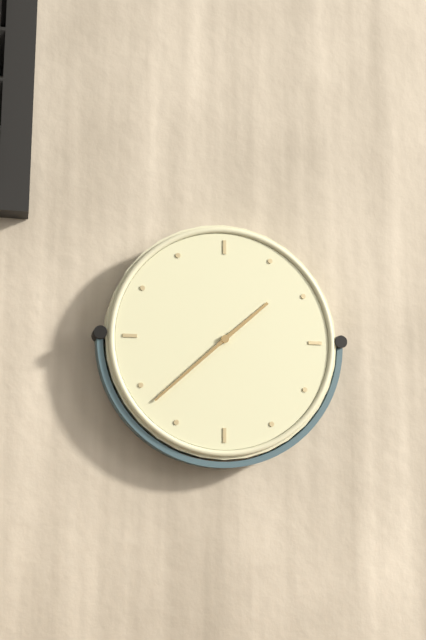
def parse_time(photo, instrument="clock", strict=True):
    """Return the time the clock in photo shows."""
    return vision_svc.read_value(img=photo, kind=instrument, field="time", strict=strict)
1:38
